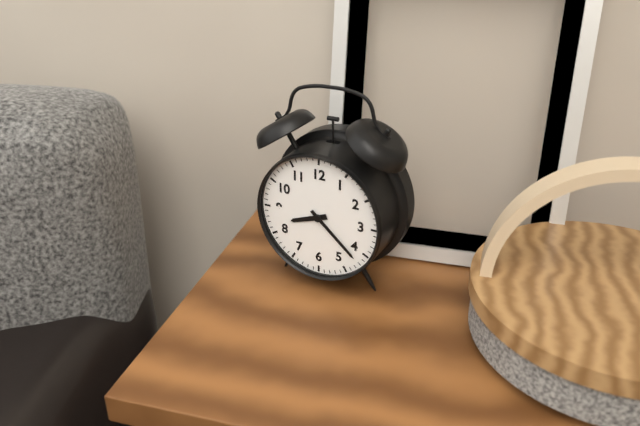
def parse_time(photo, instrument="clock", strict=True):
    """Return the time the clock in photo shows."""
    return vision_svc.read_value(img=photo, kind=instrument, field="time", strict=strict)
8:22
